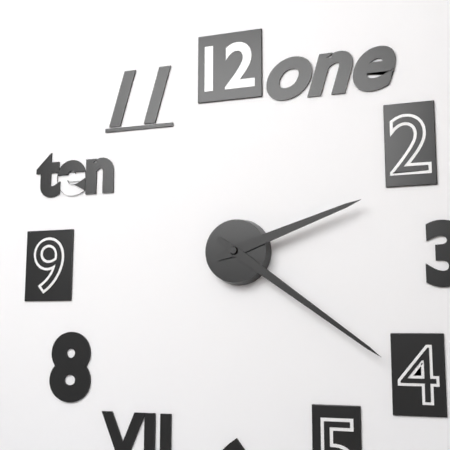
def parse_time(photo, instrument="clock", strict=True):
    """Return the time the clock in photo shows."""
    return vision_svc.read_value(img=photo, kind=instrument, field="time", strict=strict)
2:21
